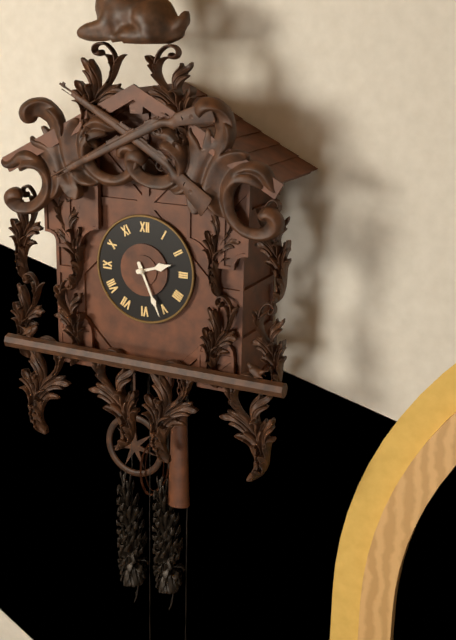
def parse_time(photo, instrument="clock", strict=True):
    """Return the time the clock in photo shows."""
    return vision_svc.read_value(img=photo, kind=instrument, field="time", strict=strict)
2:26
